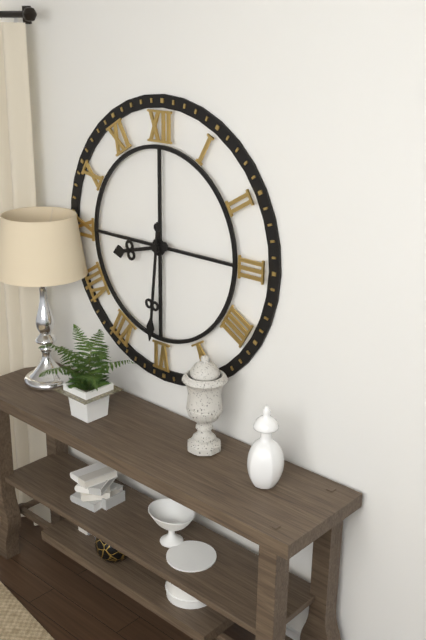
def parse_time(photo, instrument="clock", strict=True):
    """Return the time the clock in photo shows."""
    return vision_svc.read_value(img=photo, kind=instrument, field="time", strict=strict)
8:31
